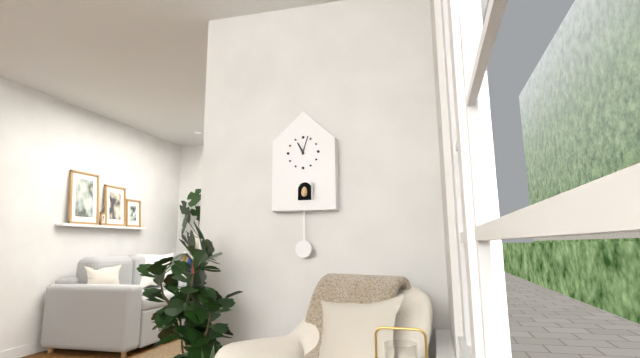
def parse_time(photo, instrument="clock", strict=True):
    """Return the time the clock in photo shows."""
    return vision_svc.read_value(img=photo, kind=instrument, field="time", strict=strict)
11:03
